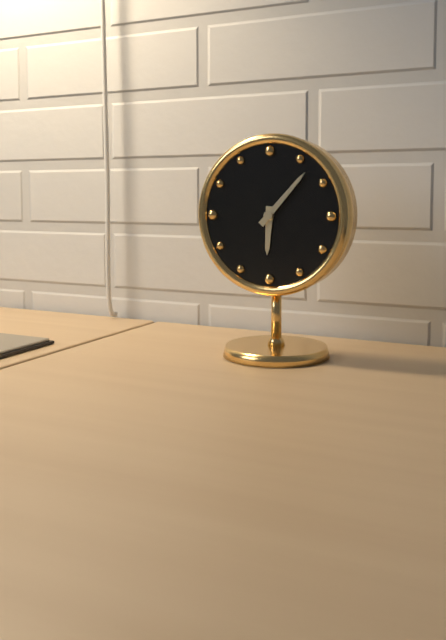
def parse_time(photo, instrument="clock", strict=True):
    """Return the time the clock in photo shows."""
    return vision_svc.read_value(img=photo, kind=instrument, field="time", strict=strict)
6:07
